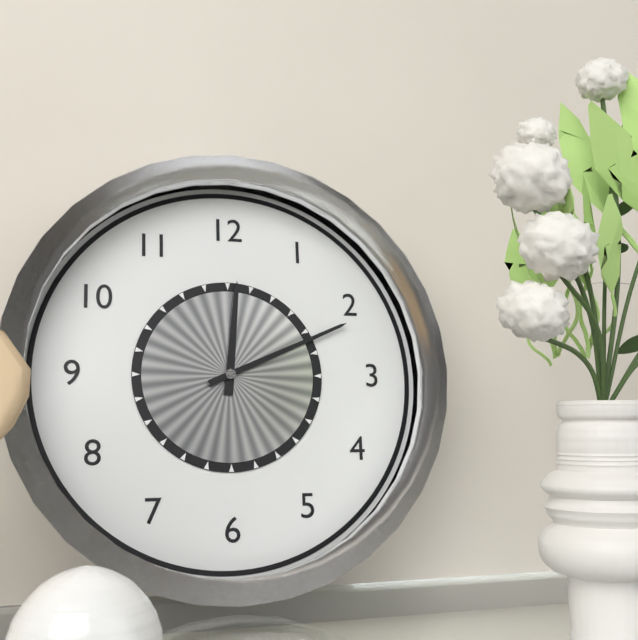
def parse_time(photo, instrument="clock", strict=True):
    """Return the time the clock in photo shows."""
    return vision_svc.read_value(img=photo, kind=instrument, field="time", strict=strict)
12:11
